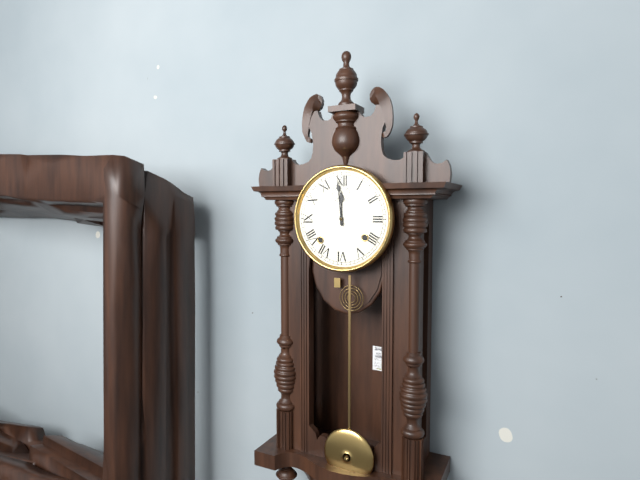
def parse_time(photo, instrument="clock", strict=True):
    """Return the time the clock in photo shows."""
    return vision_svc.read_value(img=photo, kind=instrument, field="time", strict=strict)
11:59
